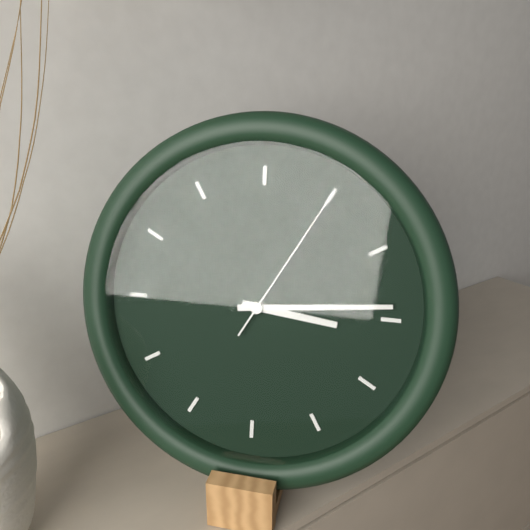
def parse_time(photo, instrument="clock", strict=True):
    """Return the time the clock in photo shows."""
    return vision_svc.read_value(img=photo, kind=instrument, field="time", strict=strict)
3:14:05
